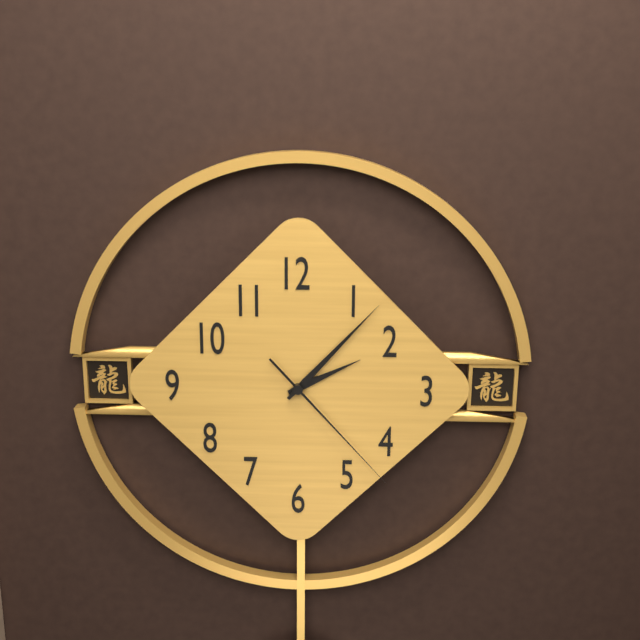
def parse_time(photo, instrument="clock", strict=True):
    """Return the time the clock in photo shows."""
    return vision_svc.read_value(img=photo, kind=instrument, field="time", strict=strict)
2:07:23
